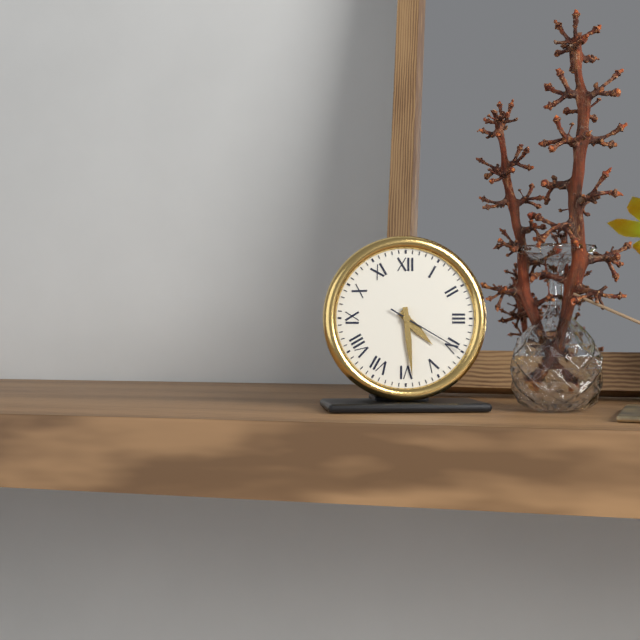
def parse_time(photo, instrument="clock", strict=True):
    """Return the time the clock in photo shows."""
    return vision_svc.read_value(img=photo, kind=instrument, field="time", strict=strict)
4:29:20
